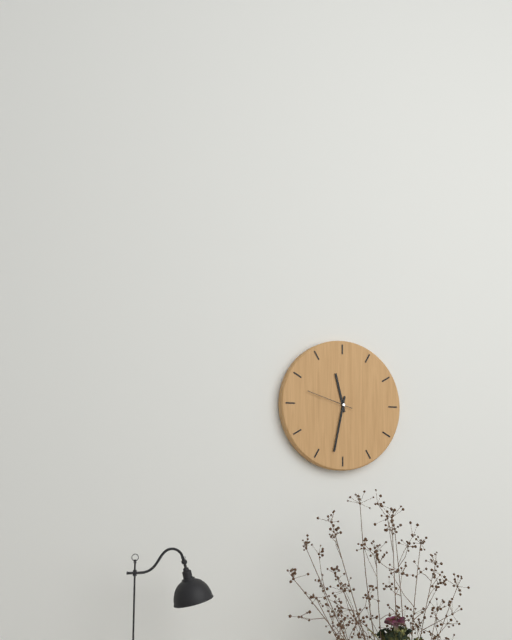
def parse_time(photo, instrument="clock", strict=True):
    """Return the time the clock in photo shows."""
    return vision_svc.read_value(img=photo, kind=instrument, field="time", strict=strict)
11:32
